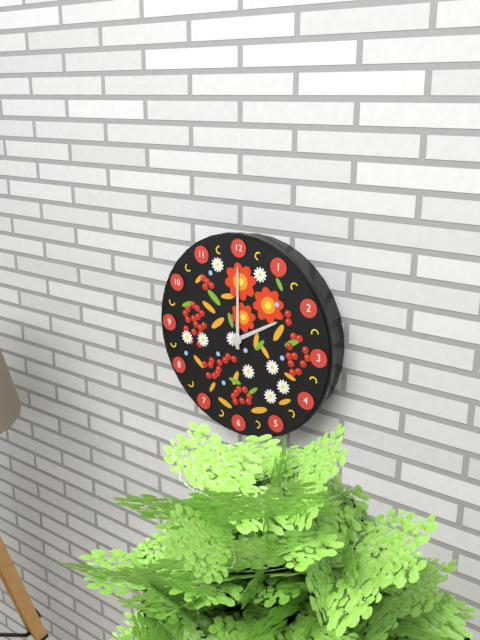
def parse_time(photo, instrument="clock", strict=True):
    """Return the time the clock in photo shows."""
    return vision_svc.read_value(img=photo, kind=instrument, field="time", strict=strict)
2:00
